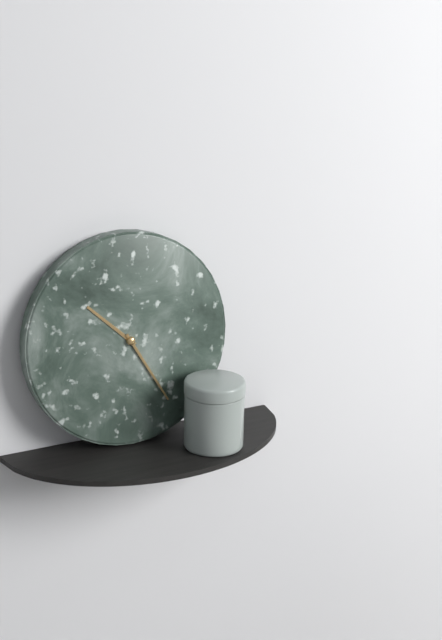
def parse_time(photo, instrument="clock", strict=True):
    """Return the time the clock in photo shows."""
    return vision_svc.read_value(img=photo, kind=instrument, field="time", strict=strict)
10:25
